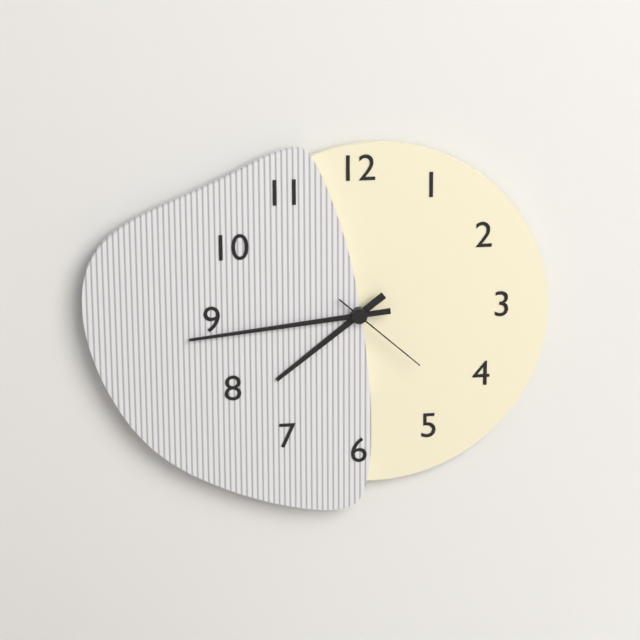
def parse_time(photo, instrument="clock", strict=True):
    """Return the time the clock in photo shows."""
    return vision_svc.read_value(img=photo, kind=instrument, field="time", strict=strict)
7:44:22
